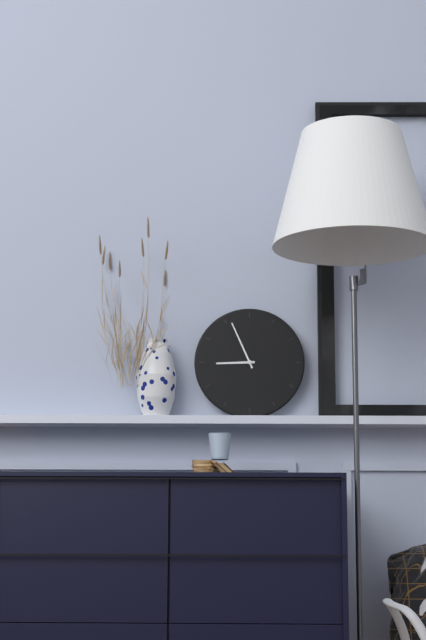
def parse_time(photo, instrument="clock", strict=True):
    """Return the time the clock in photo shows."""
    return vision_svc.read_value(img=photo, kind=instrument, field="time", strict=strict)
8:56
